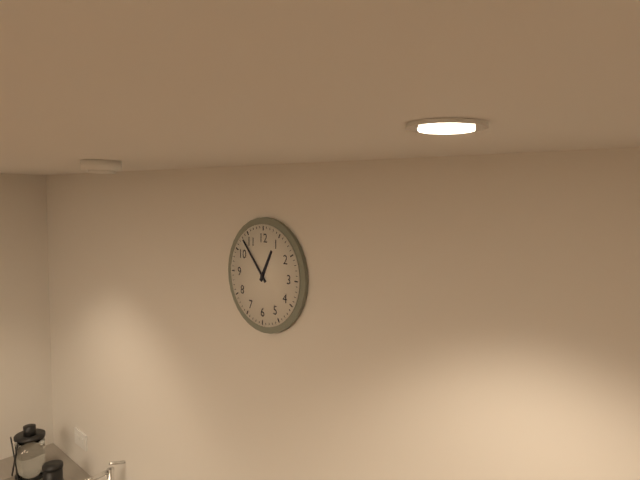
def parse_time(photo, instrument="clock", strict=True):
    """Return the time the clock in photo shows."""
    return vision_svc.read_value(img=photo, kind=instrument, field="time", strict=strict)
12:53
